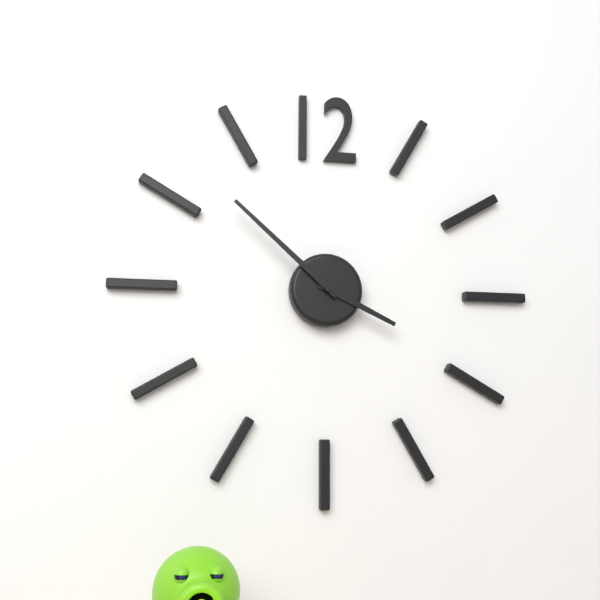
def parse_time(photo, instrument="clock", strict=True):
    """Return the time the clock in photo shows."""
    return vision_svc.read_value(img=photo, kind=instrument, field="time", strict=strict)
3:52
